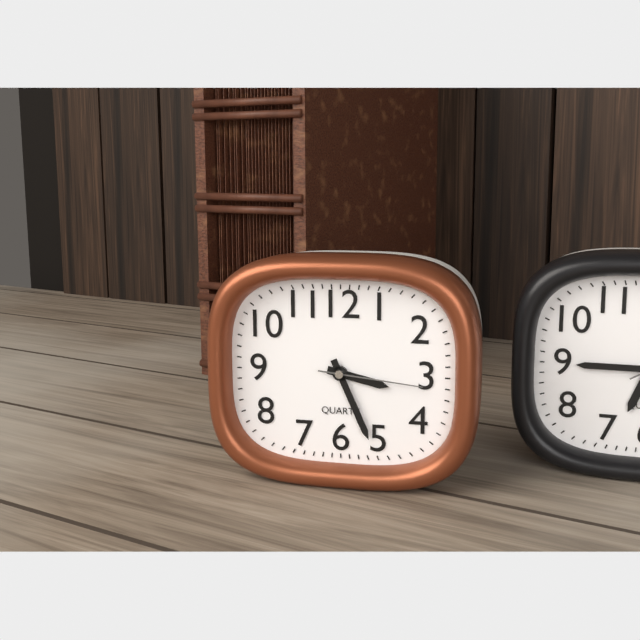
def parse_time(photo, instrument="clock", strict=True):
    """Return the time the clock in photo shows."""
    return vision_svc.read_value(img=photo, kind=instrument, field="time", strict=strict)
3:26:16
